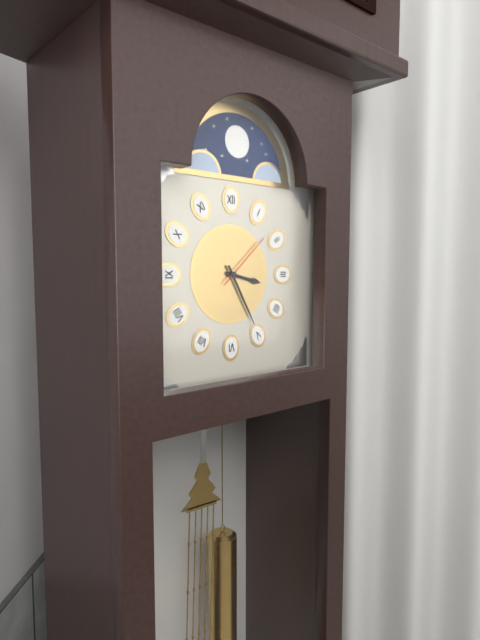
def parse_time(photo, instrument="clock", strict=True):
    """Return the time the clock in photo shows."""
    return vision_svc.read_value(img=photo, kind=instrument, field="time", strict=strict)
3:25:08
